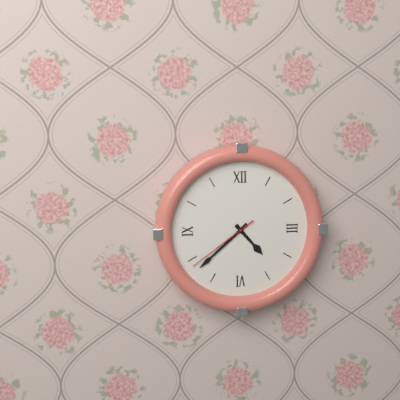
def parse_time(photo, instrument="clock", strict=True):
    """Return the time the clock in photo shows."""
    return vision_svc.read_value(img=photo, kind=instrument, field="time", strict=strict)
4:38:39
